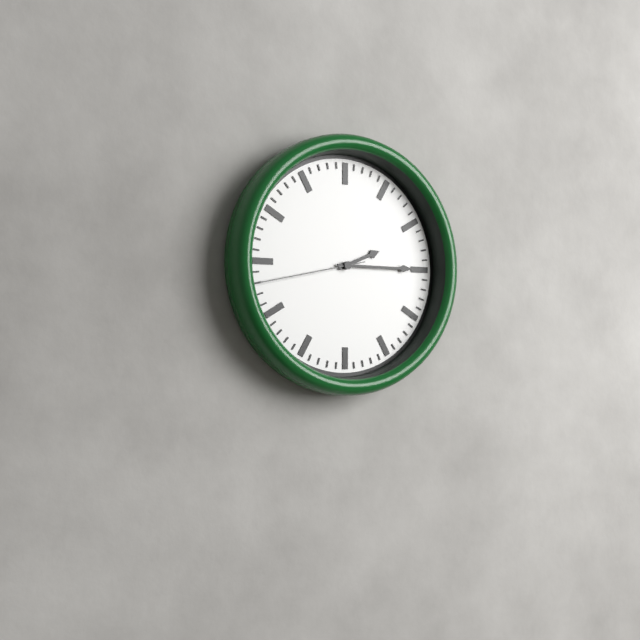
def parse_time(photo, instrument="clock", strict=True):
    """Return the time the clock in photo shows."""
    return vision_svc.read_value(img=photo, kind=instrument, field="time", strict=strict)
2:15:43
